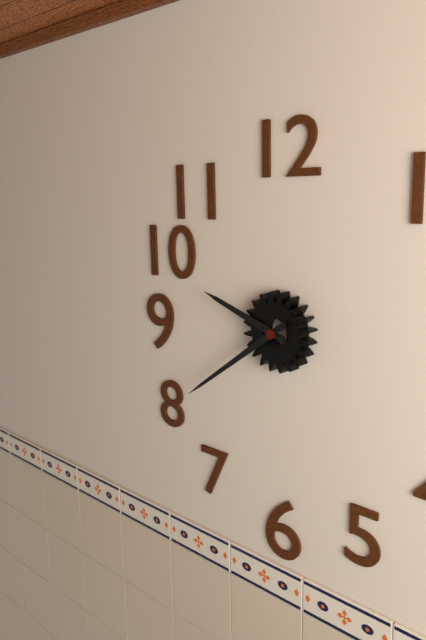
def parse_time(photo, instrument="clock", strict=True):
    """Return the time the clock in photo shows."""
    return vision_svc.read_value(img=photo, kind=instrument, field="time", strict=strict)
9:39
